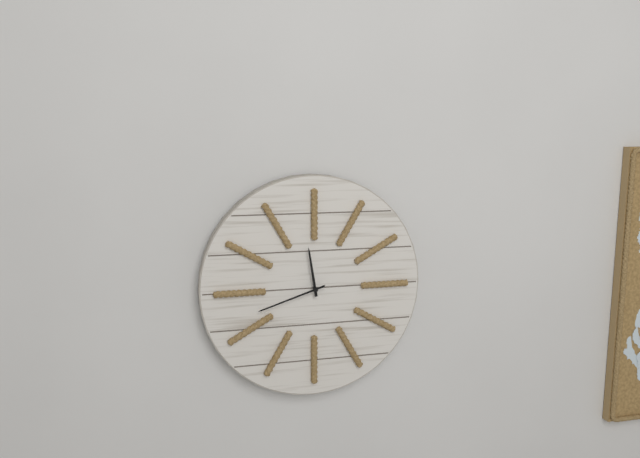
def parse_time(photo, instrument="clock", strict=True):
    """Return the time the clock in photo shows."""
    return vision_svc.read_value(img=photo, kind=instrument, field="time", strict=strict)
11:42
